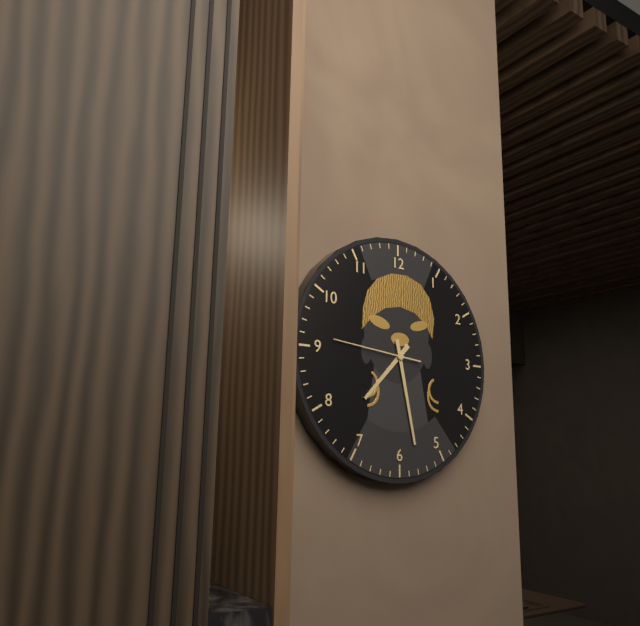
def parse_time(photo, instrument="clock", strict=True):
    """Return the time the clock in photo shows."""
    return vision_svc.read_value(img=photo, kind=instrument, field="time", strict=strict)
7:28:46
